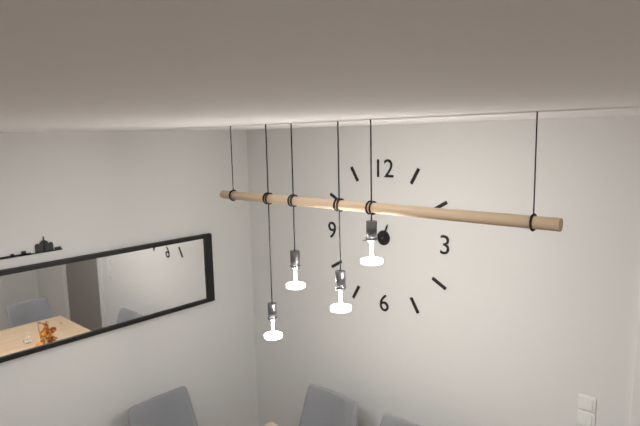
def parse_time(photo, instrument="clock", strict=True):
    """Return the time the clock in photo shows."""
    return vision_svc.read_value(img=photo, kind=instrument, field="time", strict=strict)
12:43
